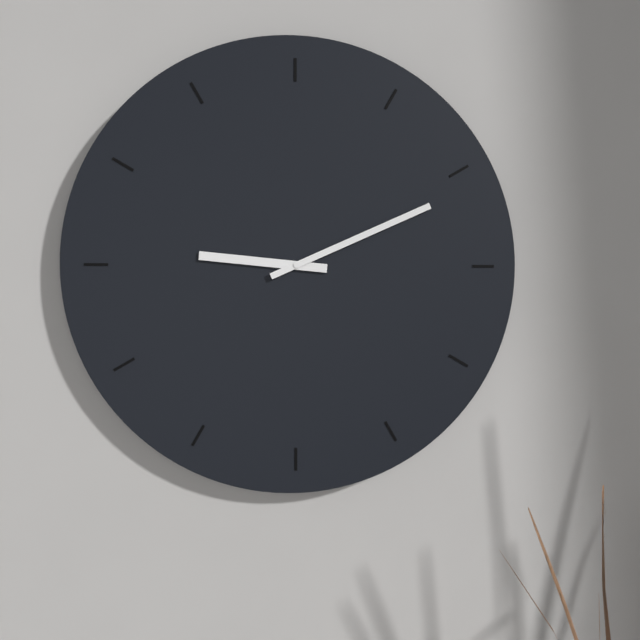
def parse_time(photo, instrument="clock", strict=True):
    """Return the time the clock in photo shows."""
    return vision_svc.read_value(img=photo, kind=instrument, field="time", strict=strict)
9:11
